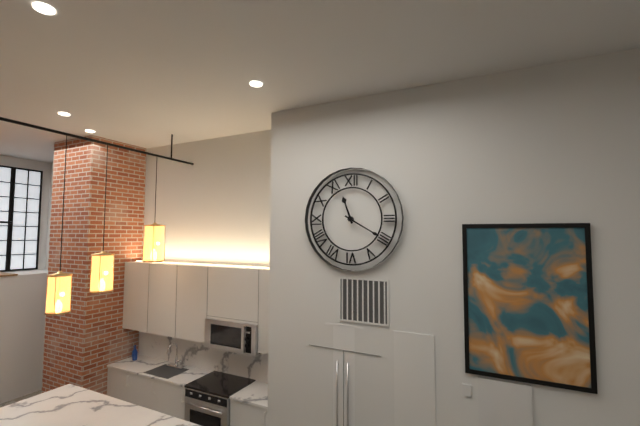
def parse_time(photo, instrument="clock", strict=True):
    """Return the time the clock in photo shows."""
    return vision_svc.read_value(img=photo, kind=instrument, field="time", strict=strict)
11:20
